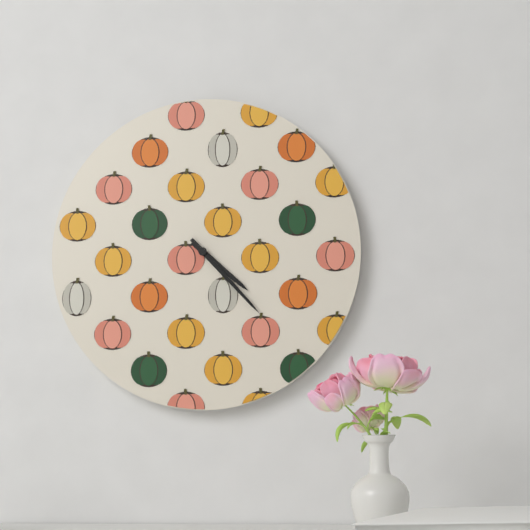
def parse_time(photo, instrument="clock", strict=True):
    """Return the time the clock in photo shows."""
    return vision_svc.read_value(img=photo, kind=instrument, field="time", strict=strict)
4:23
